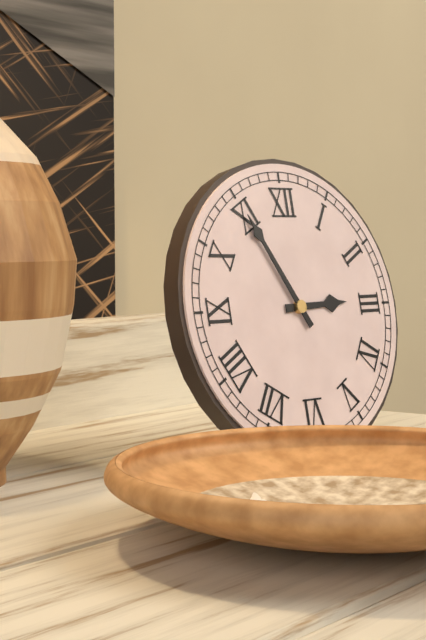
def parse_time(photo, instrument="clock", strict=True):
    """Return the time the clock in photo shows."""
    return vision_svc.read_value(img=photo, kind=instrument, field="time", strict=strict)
2:55
